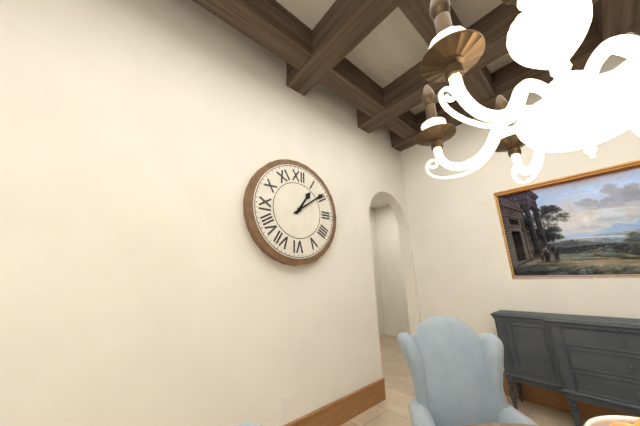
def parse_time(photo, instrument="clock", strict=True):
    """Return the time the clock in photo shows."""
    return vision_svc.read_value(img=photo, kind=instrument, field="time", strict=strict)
1:09
